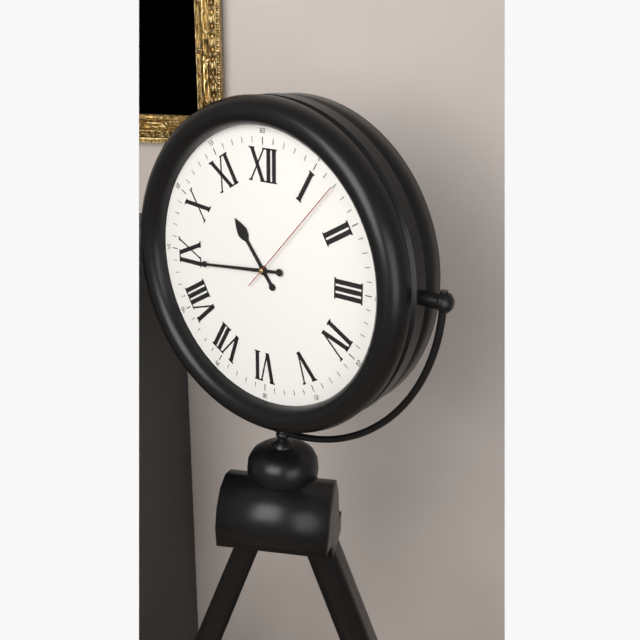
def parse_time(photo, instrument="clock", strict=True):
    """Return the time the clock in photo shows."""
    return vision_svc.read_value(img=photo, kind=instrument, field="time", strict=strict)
10:44:07
